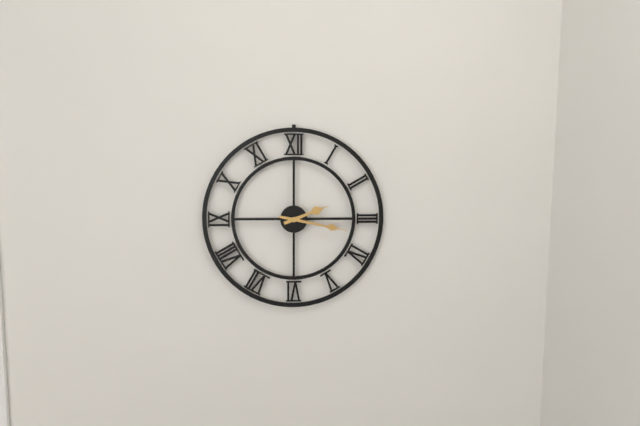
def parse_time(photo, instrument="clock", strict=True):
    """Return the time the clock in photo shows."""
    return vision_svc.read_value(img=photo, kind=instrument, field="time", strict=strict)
2:17
